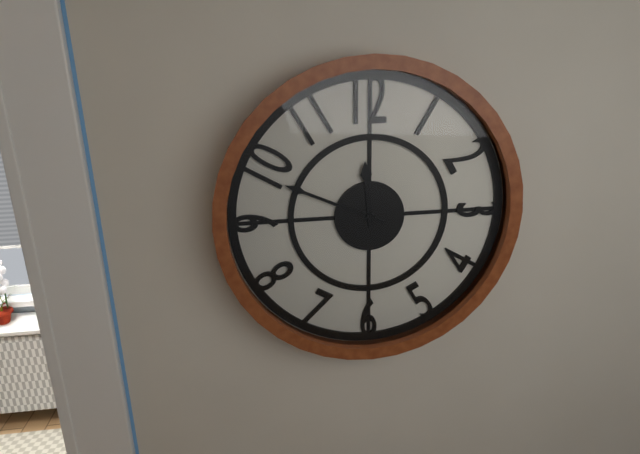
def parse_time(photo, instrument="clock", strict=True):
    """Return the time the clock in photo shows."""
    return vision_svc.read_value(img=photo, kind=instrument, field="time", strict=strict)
11:49
